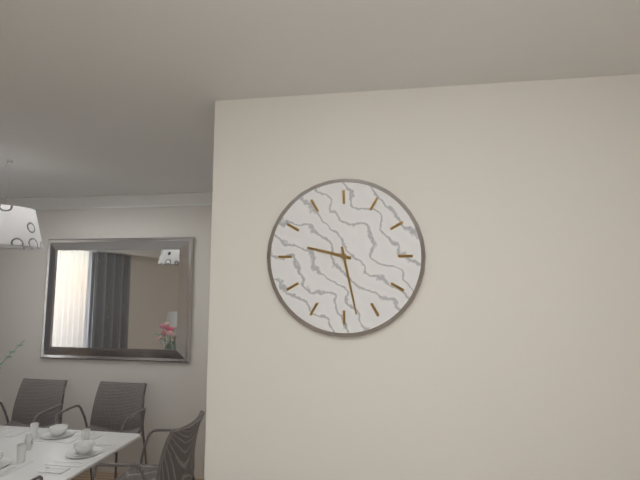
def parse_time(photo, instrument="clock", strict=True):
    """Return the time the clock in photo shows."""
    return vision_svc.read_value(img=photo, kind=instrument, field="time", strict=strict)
9:28
